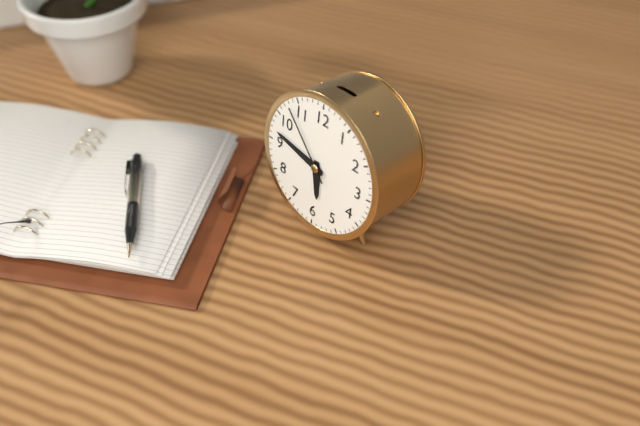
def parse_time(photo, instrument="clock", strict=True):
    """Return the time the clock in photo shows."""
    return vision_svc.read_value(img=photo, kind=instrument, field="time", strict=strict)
5:47:53
